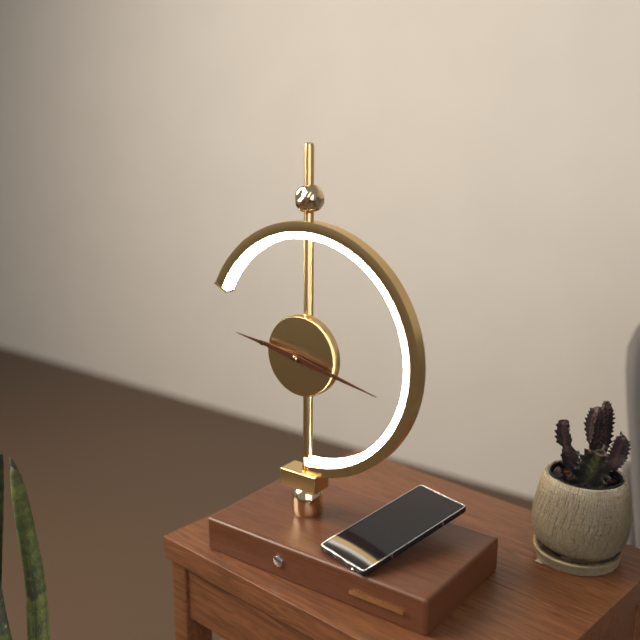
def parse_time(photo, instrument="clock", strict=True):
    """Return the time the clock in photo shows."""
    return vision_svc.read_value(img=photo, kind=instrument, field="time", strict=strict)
9:17
